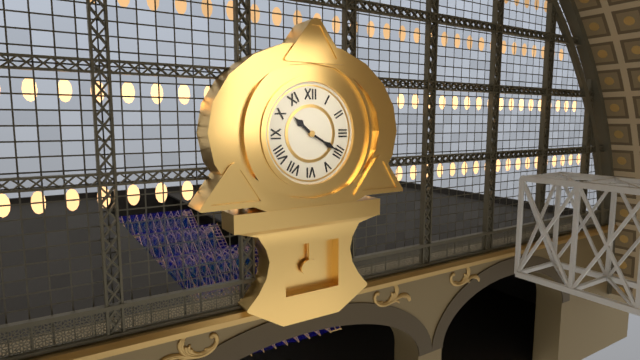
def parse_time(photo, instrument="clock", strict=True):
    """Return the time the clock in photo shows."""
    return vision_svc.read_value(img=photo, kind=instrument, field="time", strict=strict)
10:20
